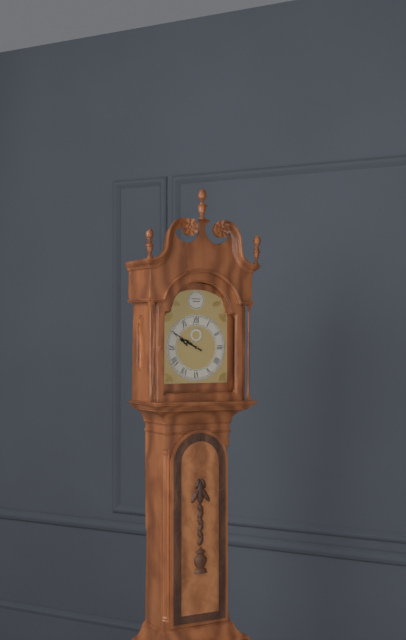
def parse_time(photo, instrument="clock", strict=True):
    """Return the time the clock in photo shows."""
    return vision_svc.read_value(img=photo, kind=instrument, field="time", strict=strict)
9:50
